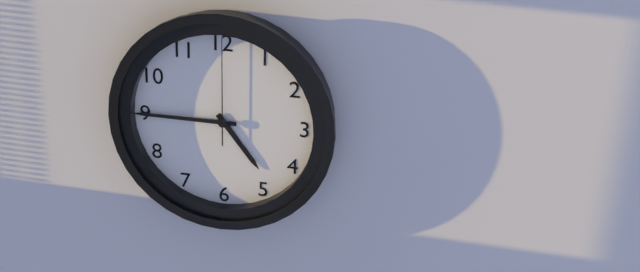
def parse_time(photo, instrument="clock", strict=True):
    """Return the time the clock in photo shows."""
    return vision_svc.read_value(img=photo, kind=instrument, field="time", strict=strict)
4:45:00
